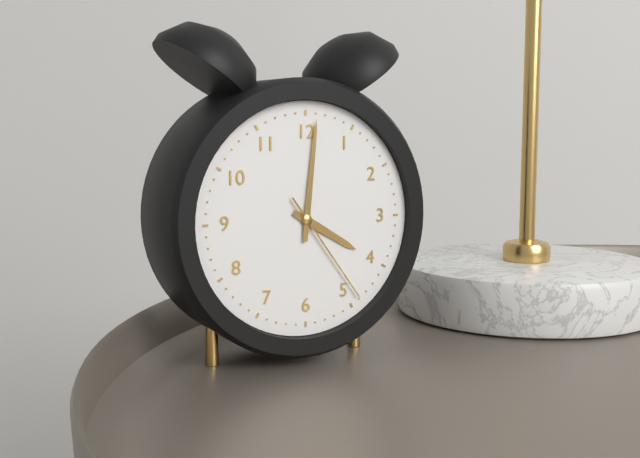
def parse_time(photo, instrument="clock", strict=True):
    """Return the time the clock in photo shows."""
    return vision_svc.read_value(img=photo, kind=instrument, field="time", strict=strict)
4:01:24
